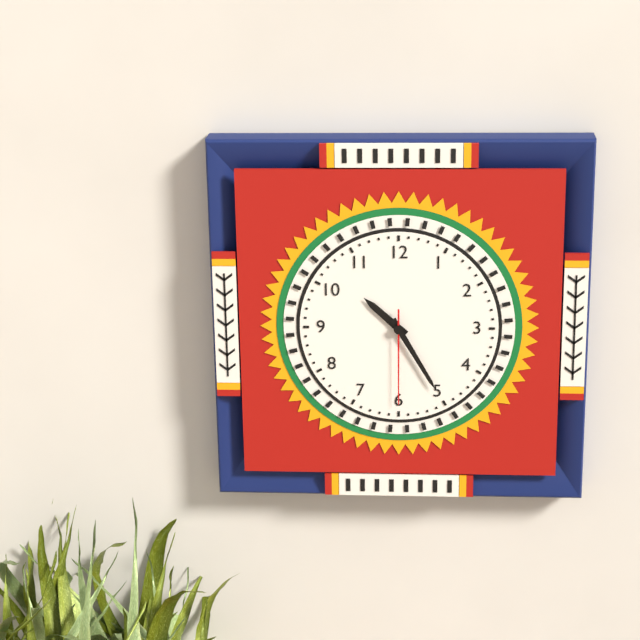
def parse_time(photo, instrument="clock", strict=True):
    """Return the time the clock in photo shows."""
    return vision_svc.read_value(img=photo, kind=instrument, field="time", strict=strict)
10:25:30
